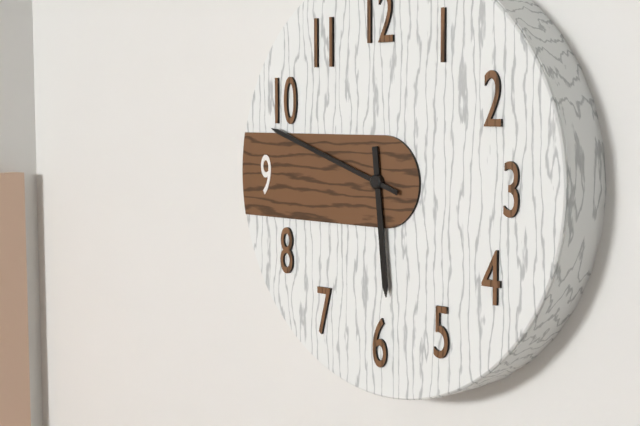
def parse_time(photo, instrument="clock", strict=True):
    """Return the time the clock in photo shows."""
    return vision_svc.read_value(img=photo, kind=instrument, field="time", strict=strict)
5:48
